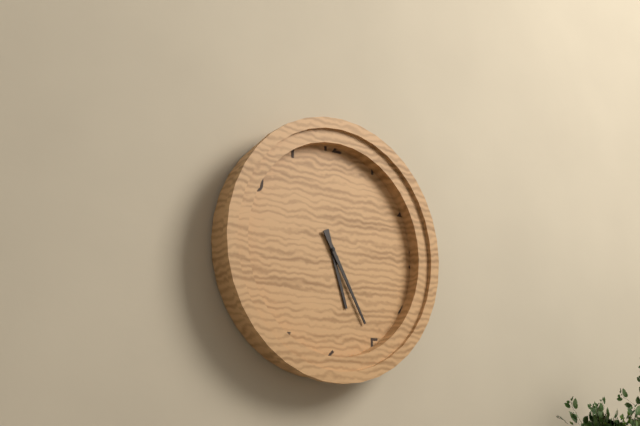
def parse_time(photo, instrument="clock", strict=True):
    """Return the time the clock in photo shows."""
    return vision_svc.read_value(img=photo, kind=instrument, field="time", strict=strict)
5:25
